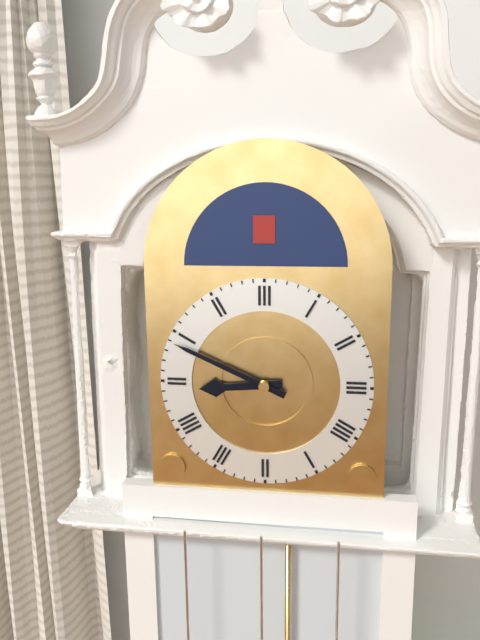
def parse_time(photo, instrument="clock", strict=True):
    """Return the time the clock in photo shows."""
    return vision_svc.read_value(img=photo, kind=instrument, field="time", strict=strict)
8:49
